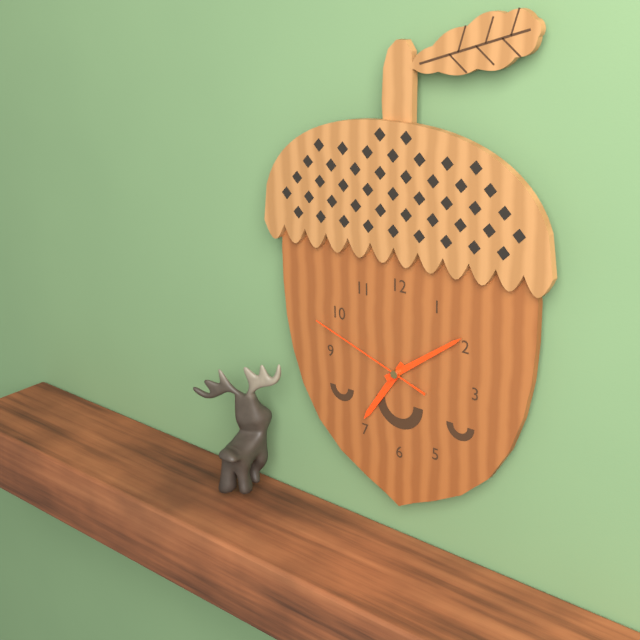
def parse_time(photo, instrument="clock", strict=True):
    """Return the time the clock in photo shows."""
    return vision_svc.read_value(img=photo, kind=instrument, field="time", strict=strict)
7:09:48
